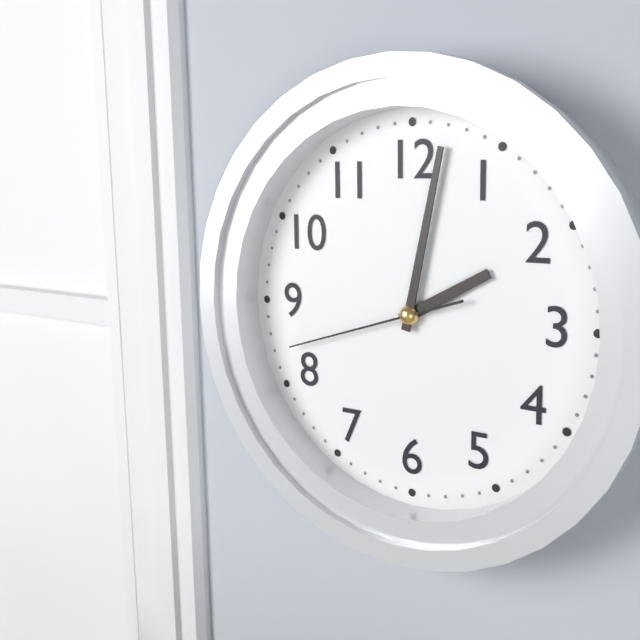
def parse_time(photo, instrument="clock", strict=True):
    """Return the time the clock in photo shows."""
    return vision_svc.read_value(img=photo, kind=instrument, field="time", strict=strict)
2:02:42
